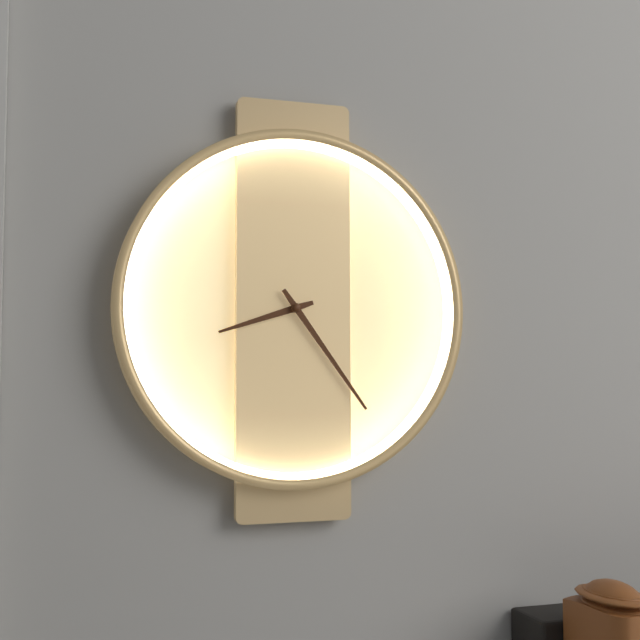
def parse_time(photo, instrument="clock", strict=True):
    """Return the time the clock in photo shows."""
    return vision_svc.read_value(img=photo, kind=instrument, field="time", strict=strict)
8:24
